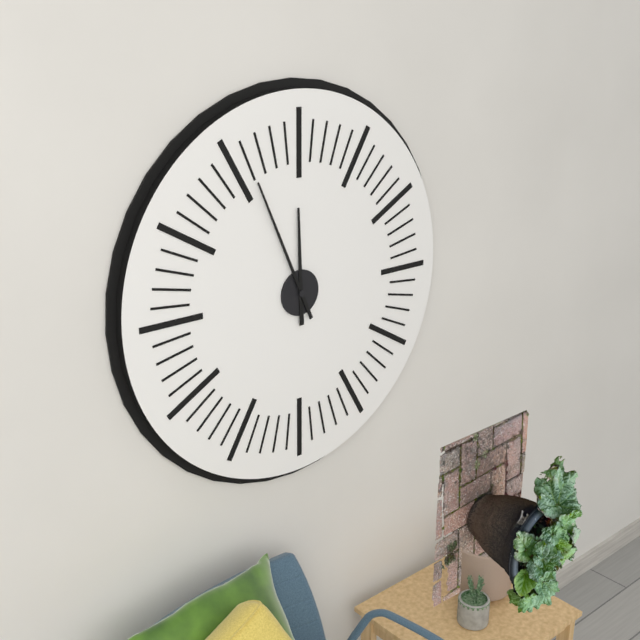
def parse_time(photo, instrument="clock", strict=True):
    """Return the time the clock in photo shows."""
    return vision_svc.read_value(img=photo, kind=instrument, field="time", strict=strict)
11:56
